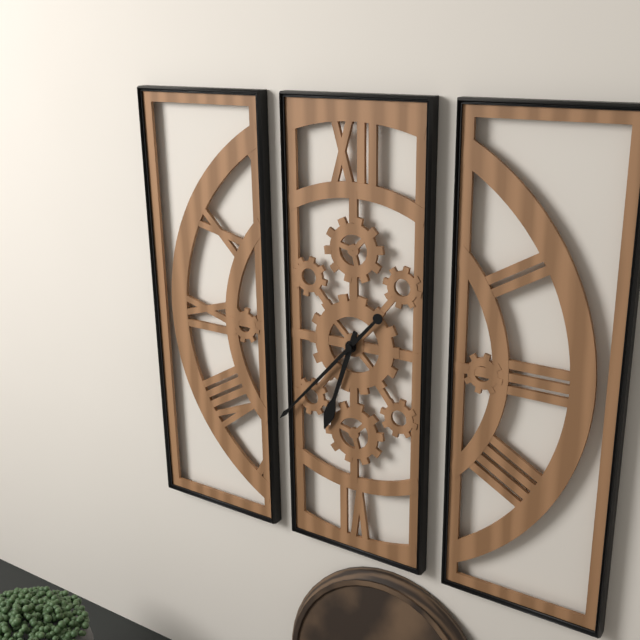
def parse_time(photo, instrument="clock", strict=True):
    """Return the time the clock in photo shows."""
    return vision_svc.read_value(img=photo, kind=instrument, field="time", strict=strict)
6:37
